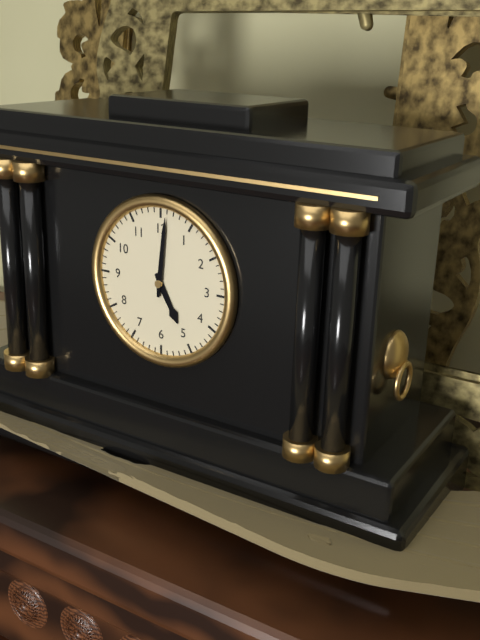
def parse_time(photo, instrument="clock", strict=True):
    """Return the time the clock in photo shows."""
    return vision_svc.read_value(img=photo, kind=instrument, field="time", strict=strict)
5:01
